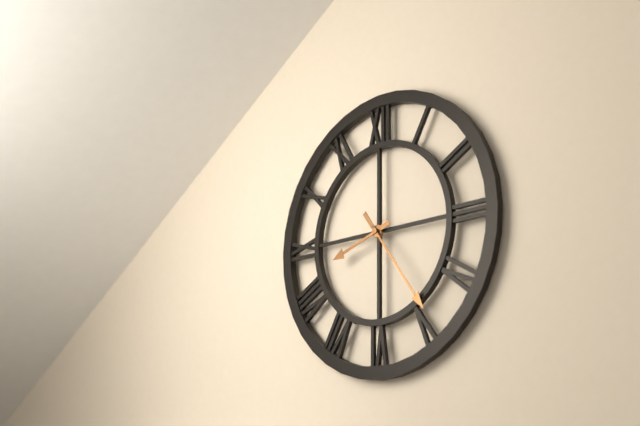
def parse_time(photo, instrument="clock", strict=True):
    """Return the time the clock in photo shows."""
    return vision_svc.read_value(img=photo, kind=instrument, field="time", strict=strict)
8:24
